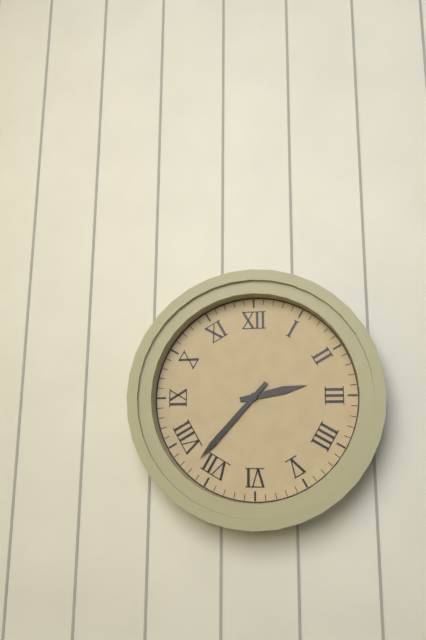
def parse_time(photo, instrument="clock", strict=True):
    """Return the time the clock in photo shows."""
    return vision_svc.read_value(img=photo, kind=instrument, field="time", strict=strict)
2:37
